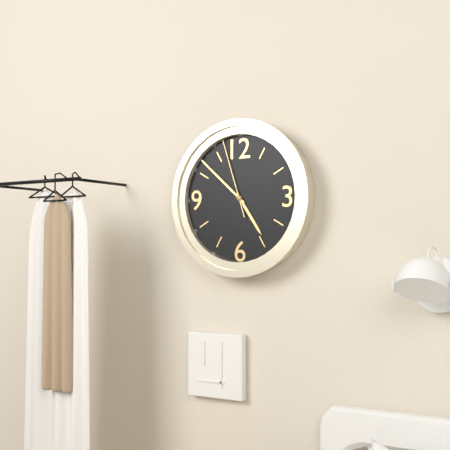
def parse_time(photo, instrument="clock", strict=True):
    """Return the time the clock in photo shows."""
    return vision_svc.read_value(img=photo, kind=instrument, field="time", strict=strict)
4:52:57
